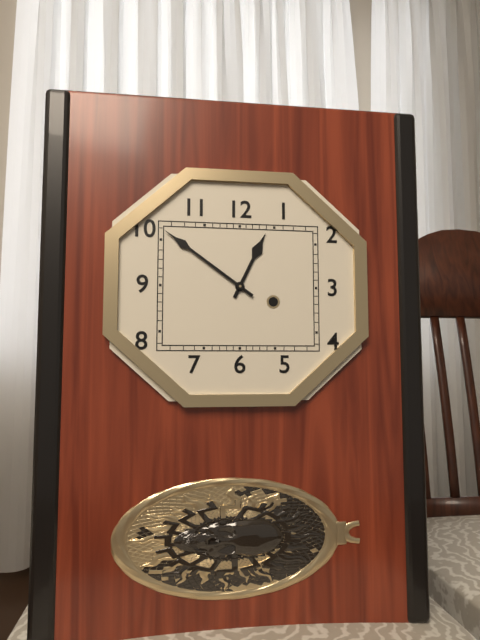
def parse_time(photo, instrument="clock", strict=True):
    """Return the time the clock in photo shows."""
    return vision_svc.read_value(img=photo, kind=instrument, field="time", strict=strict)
12:51
